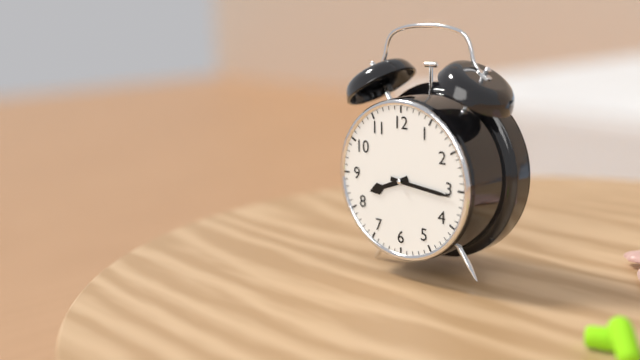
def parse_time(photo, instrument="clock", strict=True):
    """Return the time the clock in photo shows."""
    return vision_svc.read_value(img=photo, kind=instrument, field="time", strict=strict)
8:16
